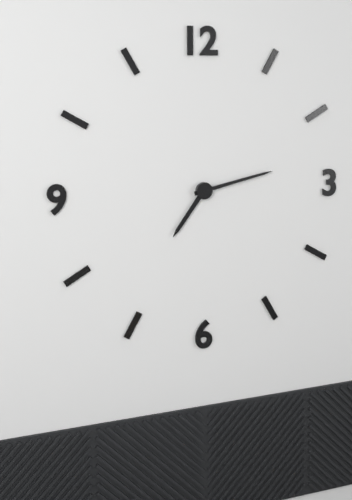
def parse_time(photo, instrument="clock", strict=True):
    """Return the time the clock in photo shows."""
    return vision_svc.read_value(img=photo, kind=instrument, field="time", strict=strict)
7:13
